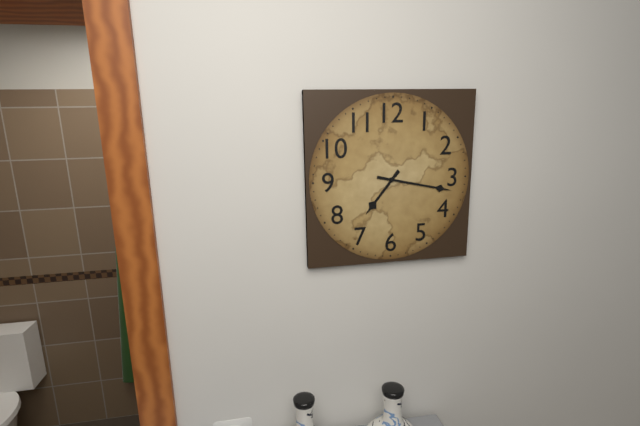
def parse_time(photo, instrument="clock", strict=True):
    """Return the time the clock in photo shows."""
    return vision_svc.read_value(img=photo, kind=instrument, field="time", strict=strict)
7:17
